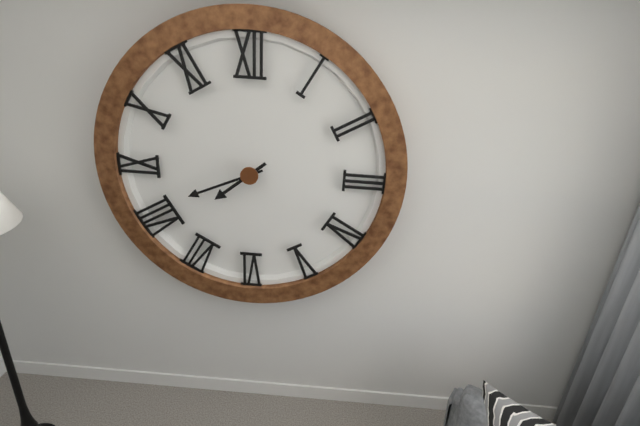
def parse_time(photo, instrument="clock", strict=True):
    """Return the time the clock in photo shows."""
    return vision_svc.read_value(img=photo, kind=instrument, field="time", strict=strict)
7:41
